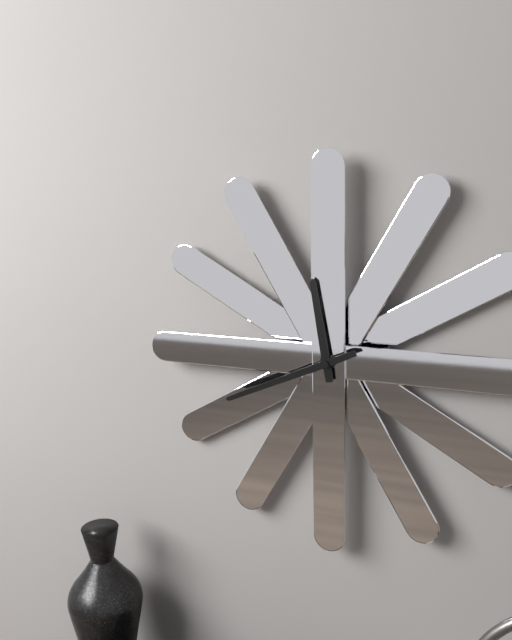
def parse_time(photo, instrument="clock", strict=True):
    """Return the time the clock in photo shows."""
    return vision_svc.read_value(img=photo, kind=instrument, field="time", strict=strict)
11:41
